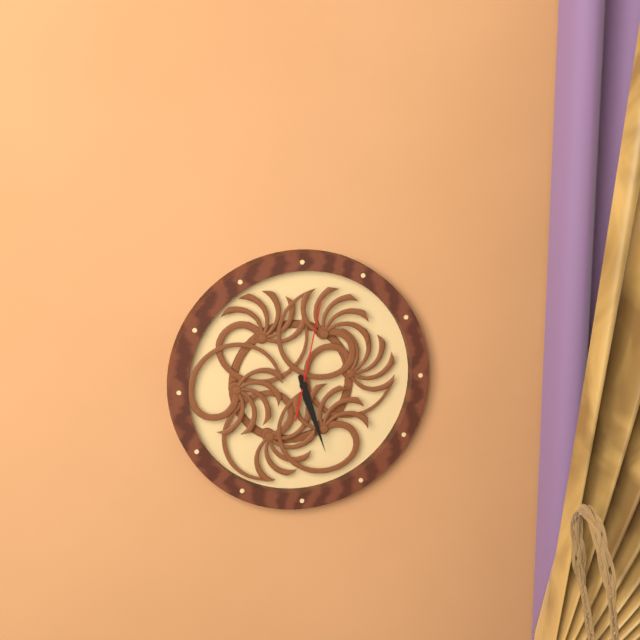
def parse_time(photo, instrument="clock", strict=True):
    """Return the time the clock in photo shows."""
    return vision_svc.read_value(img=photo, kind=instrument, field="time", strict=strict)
5:27:02
